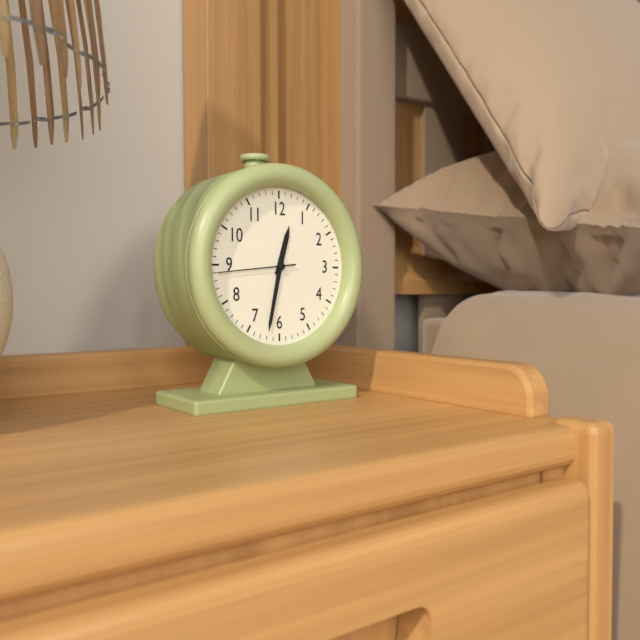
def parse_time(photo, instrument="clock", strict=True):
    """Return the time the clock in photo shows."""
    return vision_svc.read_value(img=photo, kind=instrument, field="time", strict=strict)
12:32:44
